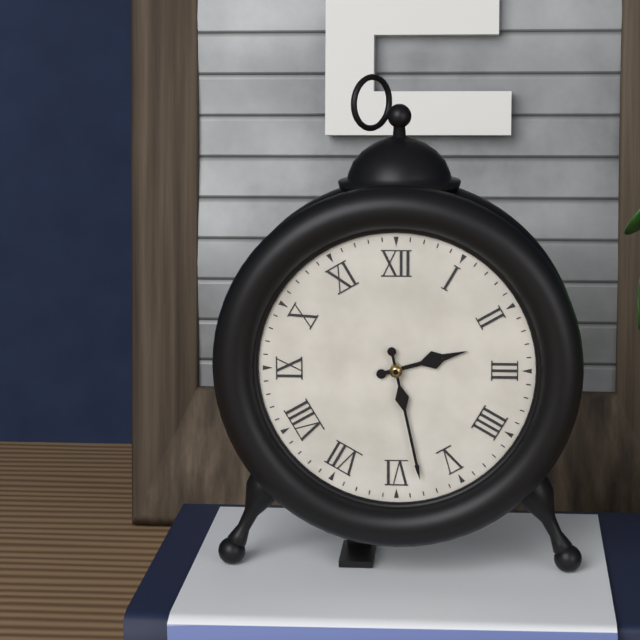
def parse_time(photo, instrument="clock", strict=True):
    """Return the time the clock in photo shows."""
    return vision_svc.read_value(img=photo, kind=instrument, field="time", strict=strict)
2:28
